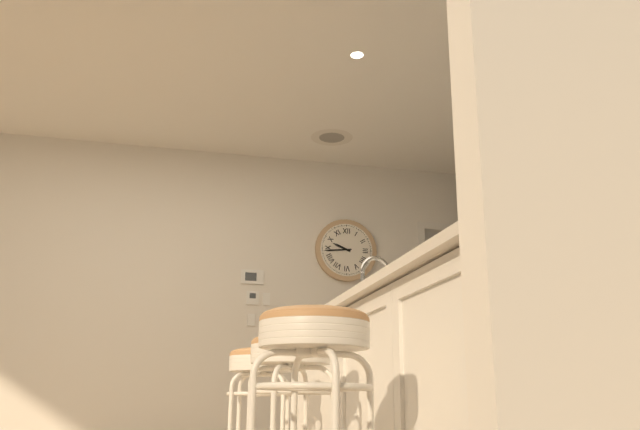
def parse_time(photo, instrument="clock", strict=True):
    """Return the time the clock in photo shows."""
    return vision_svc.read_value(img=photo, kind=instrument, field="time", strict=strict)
9:44
